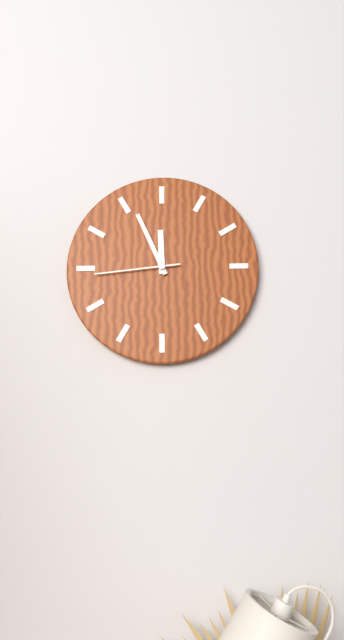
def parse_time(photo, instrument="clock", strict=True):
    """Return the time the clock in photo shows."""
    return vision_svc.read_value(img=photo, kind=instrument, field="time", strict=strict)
11:56:44
